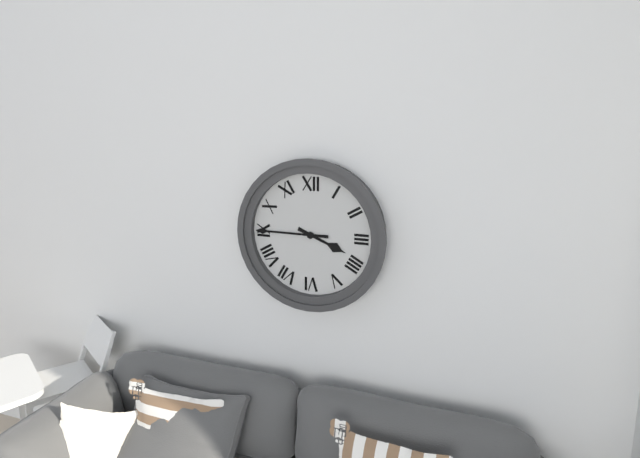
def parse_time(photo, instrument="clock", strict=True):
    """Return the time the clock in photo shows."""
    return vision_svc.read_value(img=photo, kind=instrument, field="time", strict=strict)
3:45
